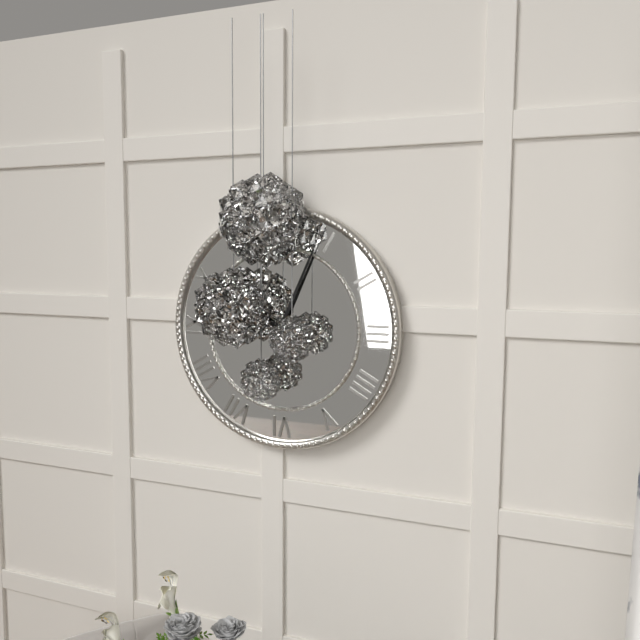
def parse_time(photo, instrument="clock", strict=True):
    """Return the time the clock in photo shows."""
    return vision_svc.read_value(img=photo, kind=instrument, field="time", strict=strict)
10:04
